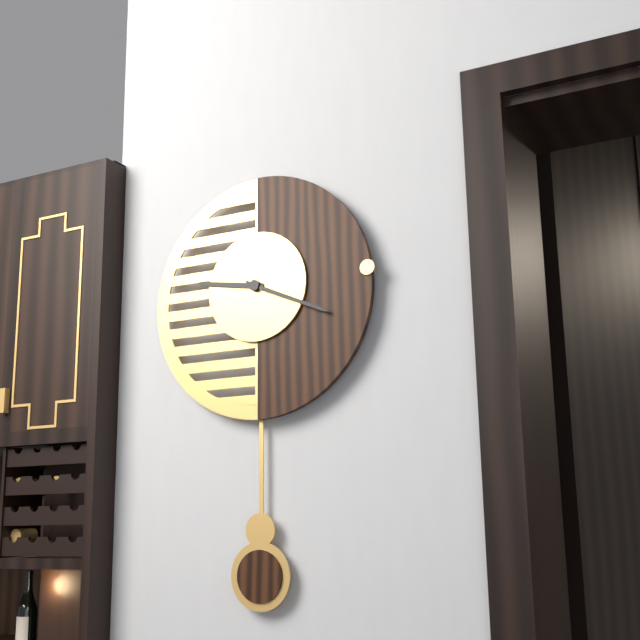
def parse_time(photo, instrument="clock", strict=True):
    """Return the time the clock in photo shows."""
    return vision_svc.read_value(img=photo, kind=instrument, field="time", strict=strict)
9:19
